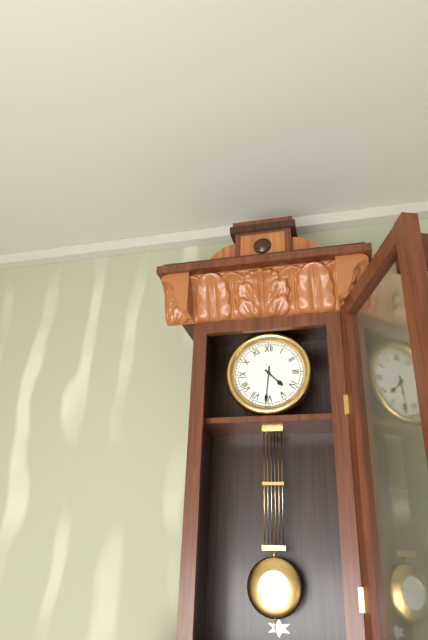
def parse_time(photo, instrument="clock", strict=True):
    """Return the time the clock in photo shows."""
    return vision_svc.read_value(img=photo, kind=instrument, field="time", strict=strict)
4:31
